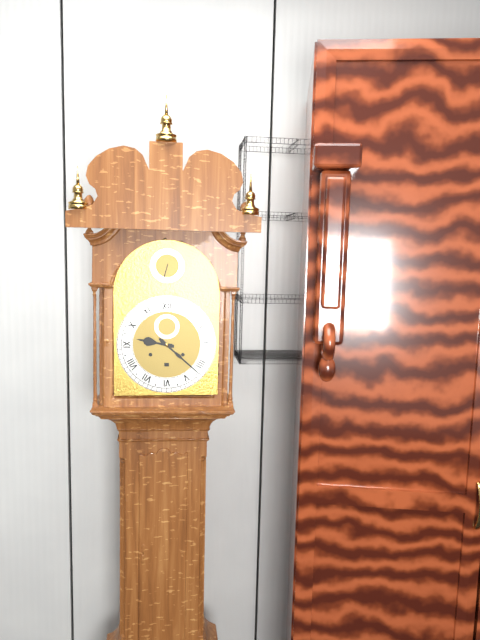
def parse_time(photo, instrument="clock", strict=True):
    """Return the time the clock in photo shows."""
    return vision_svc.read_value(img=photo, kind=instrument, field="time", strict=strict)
9:22
